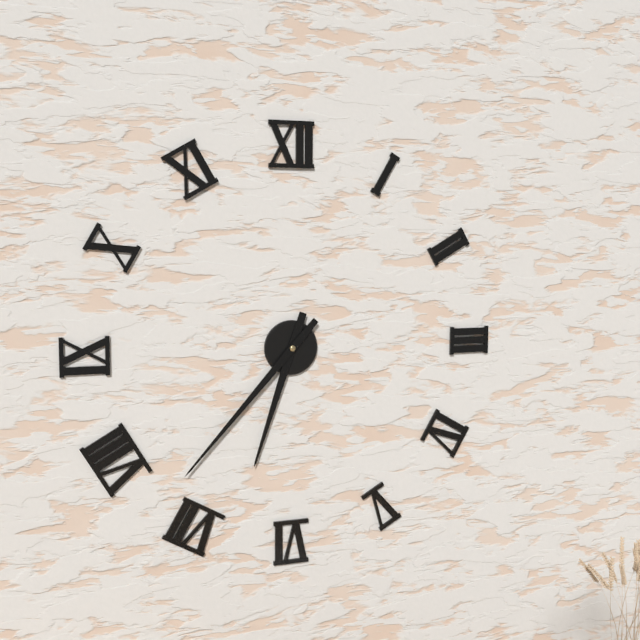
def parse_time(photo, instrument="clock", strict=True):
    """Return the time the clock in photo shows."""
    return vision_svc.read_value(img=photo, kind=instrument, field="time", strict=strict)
6:37
